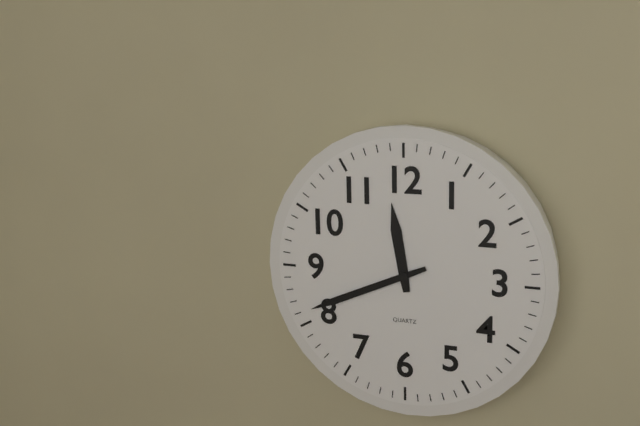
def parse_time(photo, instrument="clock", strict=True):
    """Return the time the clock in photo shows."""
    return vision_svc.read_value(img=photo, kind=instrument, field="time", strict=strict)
11:41
